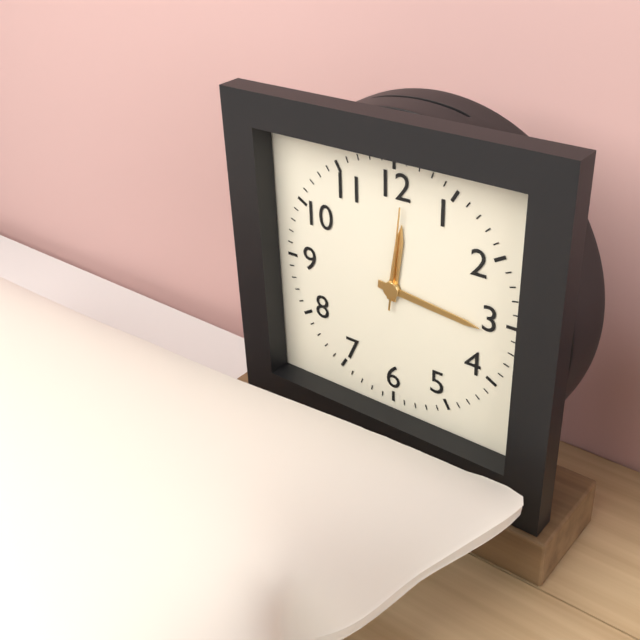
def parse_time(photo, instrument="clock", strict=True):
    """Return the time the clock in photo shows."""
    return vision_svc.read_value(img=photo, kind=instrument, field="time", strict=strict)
12:16:01
